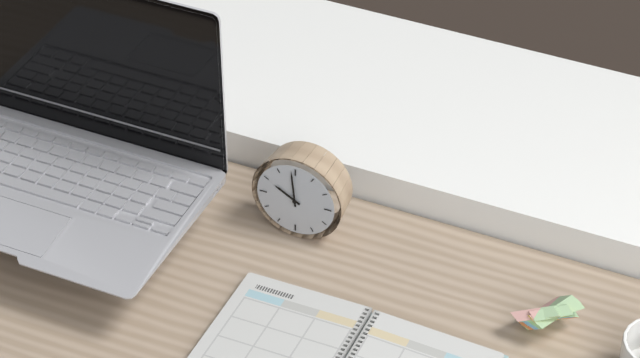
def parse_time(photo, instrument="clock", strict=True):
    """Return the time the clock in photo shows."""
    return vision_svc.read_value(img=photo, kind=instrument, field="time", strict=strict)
9:59
